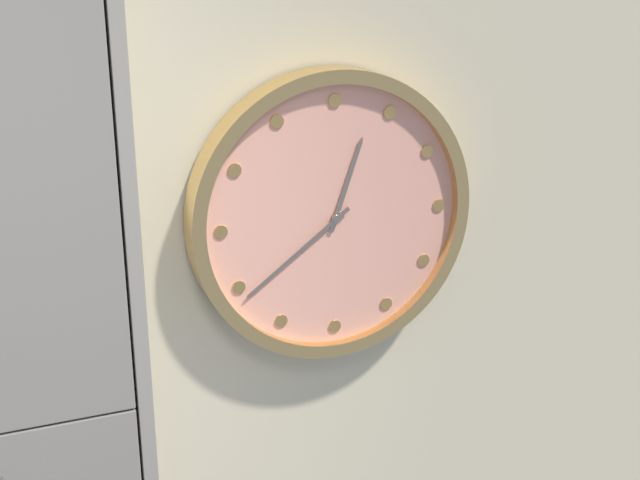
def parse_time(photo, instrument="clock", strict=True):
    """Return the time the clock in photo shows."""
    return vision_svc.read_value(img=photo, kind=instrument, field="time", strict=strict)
12:39
